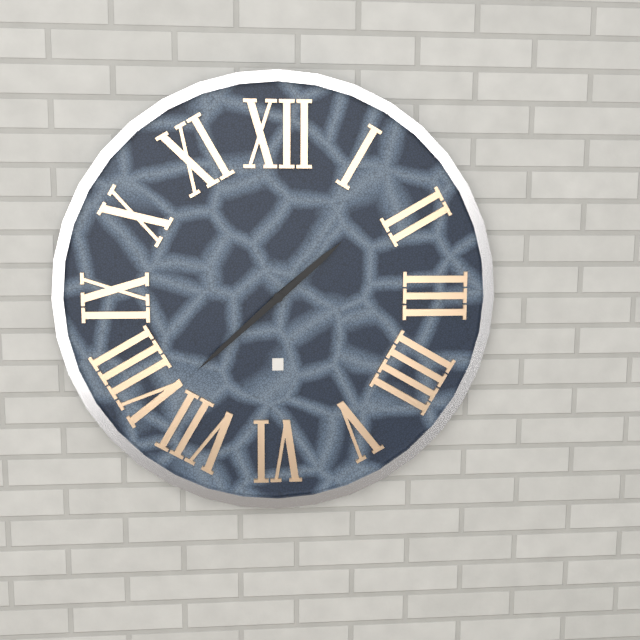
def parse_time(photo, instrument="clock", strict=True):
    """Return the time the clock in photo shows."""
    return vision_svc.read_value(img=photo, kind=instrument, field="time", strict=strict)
1:38
